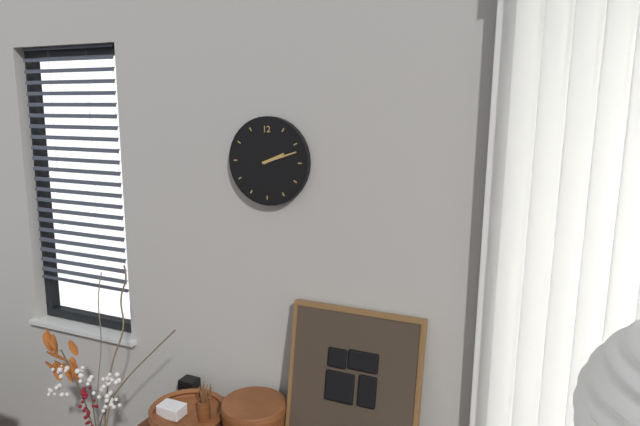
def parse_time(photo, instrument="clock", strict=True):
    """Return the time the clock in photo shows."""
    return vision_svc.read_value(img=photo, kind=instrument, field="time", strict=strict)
2:12
